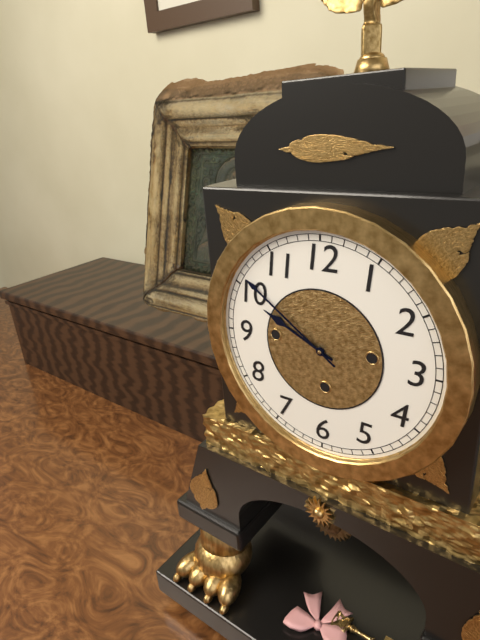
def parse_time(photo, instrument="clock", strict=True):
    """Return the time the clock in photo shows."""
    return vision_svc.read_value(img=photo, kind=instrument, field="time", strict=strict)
9:51
